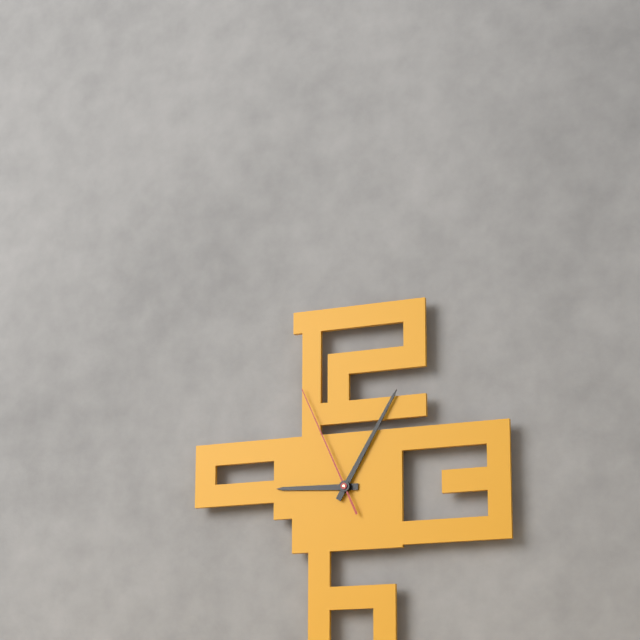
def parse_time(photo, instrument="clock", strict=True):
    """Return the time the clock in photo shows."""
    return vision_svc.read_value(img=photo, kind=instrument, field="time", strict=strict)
9:05:56
